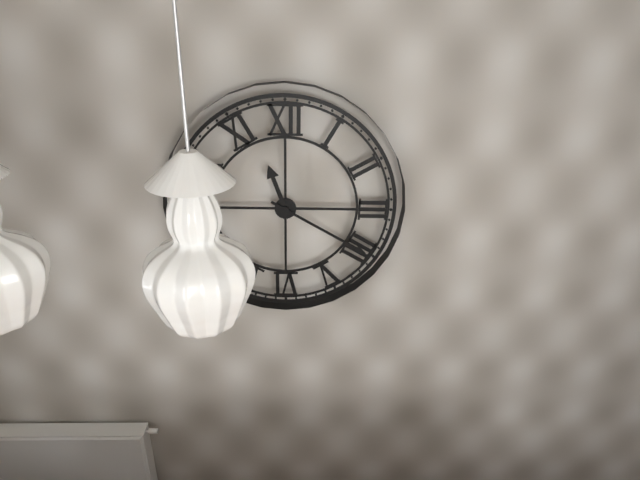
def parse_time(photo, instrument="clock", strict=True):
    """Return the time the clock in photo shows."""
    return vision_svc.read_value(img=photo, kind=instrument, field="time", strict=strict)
11:20
